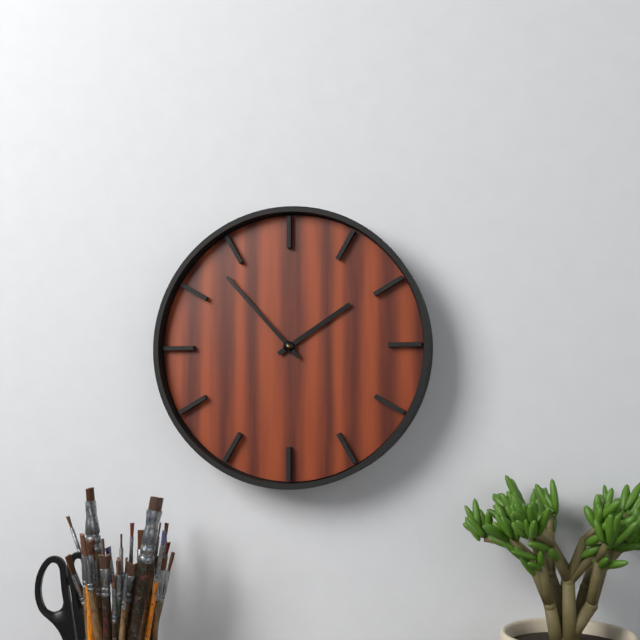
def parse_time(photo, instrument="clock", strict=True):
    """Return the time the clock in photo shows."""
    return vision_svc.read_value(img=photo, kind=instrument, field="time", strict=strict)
1:53
